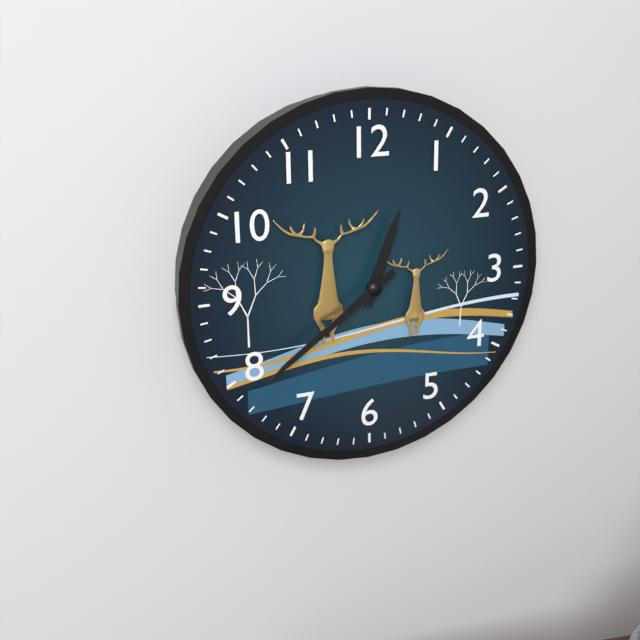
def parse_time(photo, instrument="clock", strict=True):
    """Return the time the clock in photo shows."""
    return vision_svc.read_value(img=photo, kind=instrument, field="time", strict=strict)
12:39
